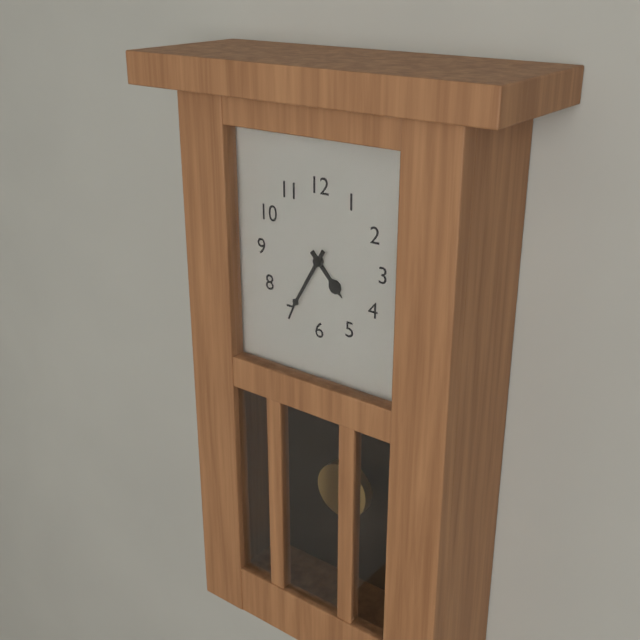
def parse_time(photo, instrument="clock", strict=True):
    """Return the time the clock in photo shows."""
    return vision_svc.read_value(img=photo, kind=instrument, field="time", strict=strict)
4:35
